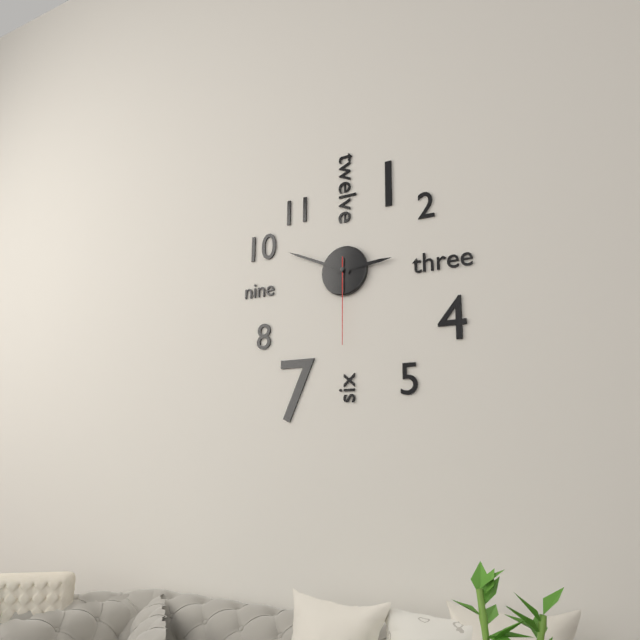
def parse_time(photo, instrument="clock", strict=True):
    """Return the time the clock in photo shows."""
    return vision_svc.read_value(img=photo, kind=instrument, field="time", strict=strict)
2:49:30
